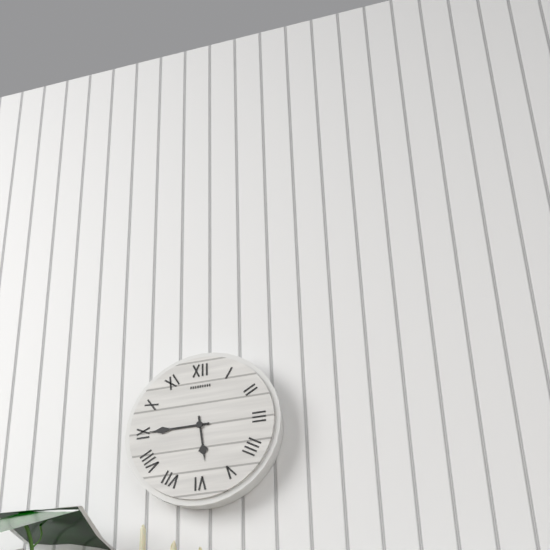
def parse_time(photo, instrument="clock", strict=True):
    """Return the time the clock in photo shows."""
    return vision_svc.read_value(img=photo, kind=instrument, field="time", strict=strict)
5:45
